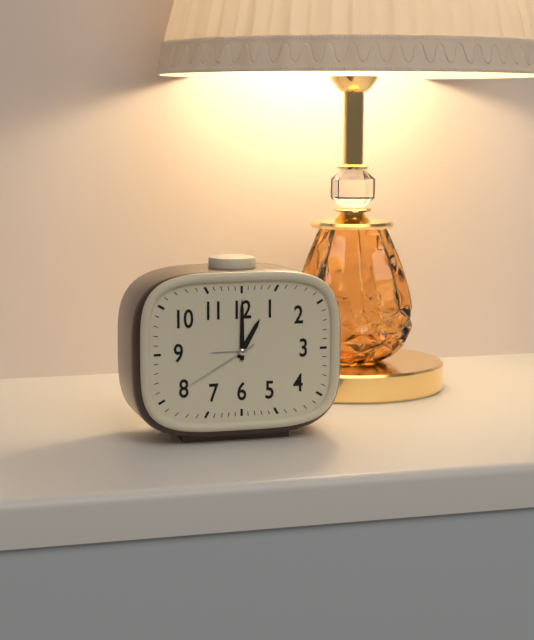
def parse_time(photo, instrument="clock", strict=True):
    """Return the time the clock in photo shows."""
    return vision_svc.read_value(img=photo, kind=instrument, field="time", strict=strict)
1:00:40
